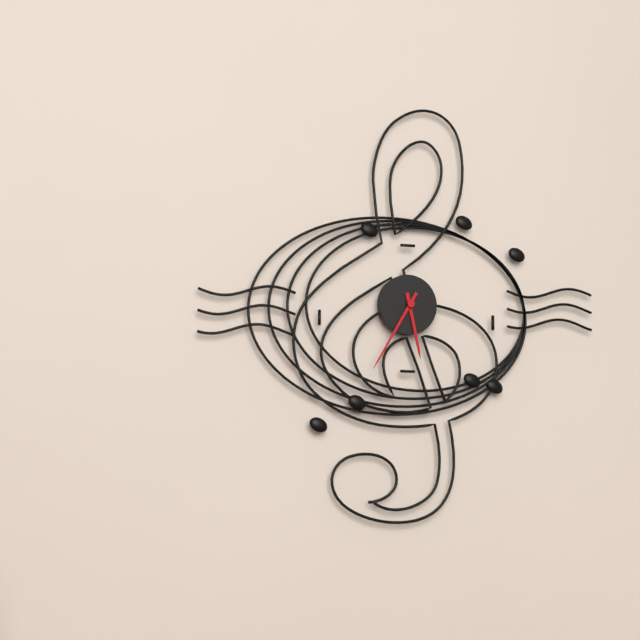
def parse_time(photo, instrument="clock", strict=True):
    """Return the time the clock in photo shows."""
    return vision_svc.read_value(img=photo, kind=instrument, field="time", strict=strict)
5:35
